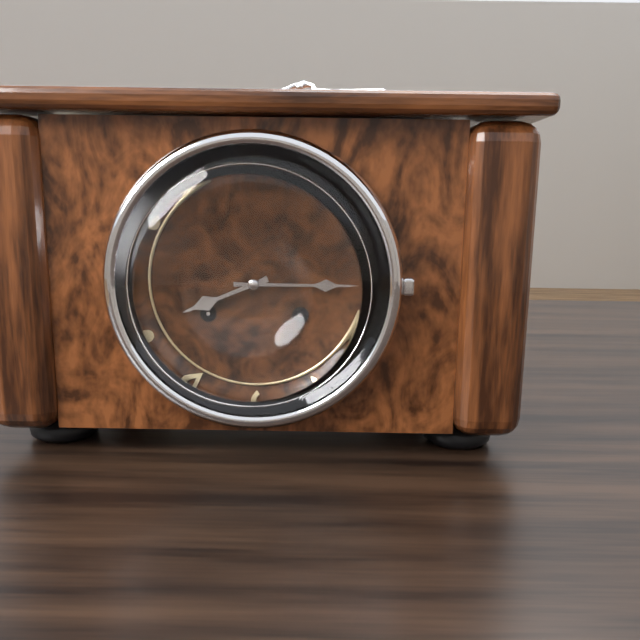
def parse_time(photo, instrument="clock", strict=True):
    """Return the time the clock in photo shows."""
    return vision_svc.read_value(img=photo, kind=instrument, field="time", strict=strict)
8:15
